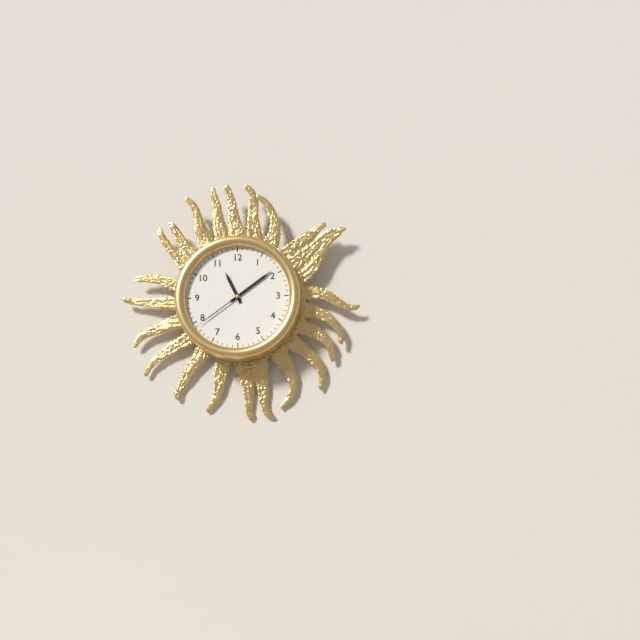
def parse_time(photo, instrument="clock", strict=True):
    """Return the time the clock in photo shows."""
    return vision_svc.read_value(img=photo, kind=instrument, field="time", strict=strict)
11:09:39
